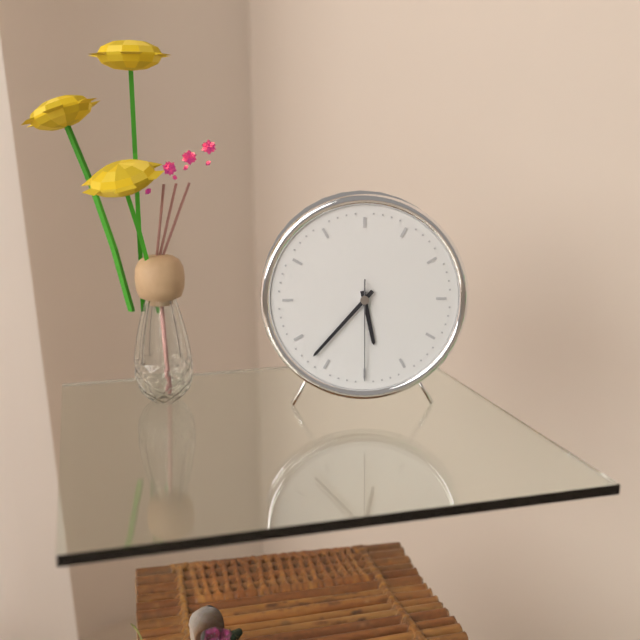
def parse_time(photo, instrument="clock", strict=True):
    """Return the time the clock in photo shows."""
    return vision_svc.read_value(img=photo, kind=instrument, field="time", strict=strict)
5:37:30
